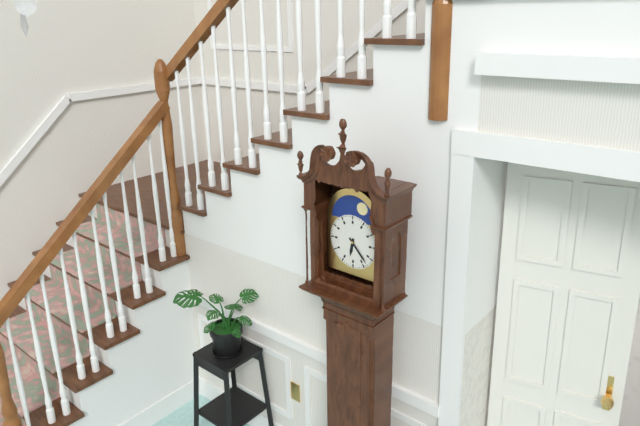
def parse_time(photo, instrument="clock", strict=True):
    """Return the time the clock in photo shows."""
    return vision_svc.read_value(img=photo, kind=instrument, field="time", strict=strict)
6:23
